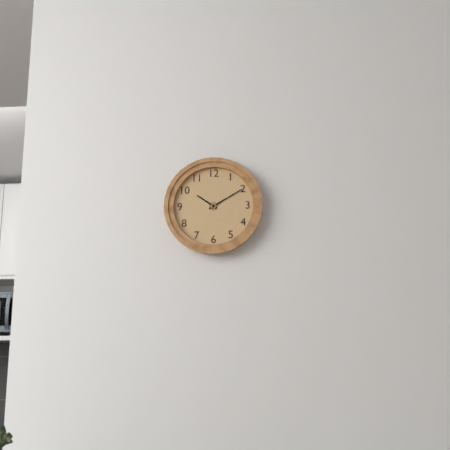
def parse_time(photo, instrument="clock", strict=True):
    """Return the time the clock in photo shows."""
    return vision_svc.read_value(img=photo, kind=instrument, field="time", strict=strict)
10:10
